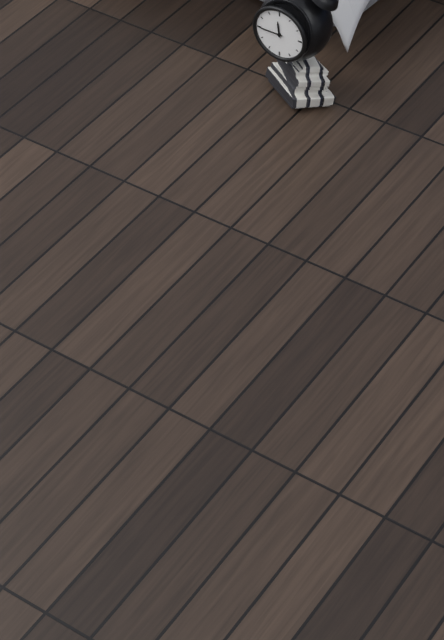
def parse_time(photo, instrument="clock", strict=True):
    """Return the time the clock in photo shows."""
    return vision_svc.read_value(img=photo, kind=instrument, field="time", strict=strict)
11:45
